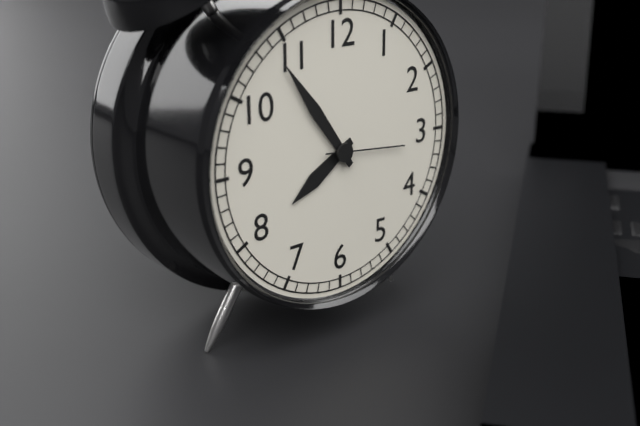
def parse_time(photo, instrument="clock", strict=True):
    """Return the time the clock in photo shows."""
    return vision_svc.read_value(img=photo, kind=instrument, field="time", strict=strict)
7:54:16
